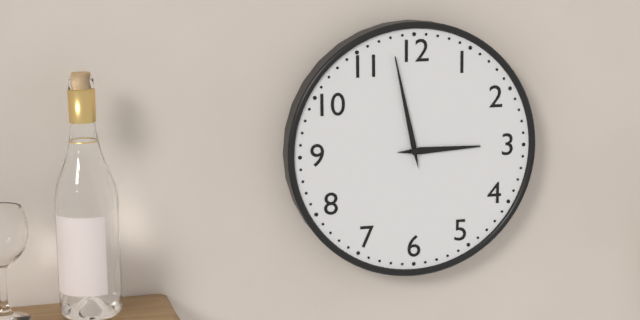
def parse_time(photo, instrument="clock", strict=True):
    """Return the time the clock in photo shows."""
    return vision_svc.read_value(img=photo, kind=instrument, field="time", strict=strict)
2:58
